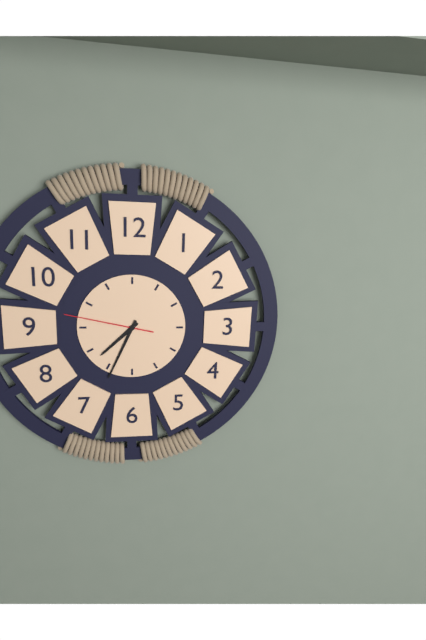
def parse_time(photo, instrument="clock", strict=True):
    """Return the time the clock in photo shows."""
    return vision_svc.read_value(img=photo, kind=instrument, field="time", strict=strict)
7:34:47
